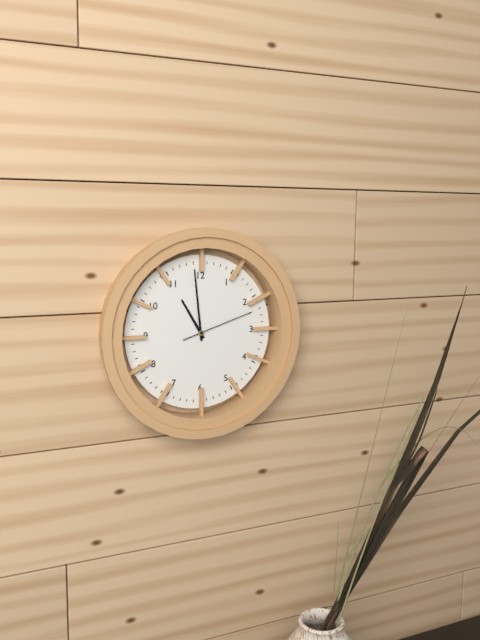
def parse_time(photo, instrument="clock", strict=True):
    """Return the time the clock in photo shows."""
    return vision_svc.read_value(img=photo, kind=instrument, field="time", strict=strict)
10:59:12
